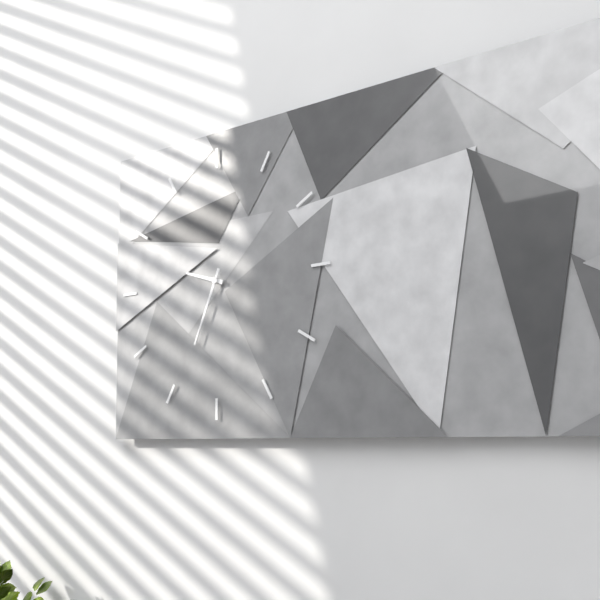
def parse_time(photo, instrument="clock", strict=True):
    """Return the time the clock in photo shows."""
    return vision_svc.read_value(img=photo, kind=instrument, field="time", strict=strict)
9:34
